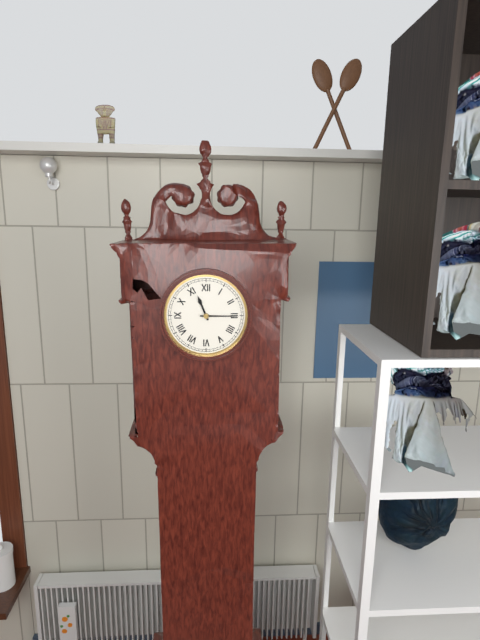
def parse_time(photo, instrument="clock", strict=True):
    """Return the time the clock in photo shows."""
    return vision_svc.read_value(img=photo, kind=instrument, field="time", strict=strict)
11:15
